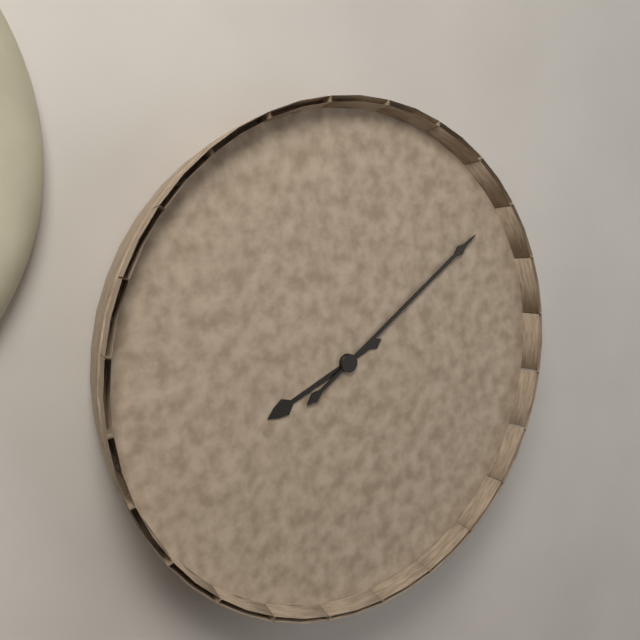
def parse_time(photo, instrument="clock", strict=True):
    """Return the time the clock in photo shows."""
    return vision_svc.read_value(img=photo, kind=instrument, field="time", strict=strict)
8:09
